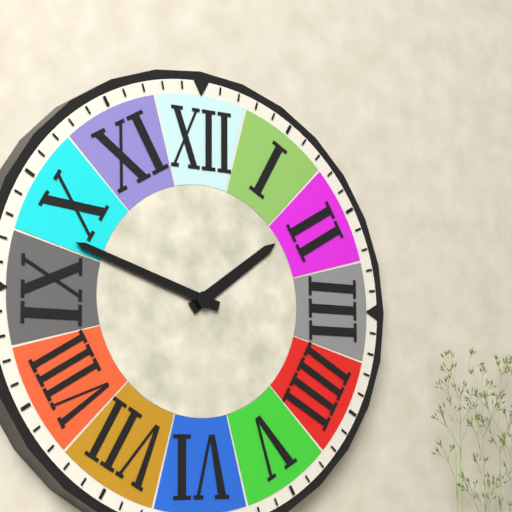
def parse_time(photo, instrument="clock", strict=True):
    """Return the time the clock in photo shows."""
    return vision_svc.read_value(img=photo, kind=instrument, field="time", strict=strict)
1:48
